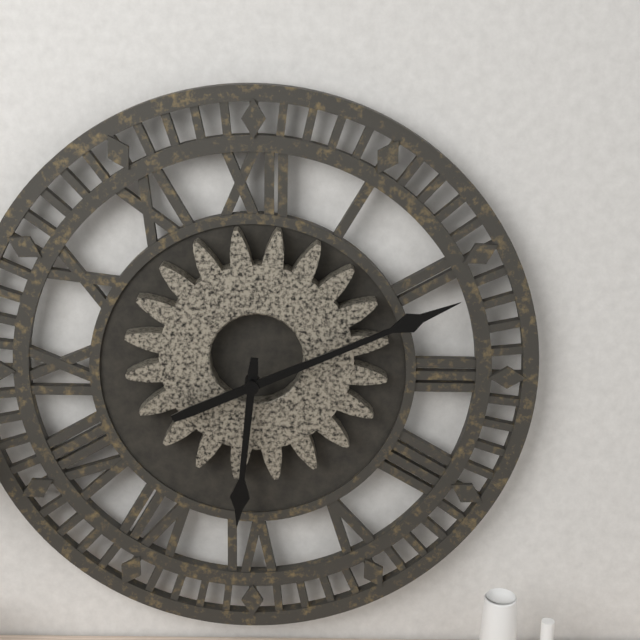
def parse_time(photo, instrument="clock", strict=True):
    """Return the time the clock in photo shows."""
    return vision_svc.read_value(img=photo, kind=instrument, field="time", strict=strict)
6:11
